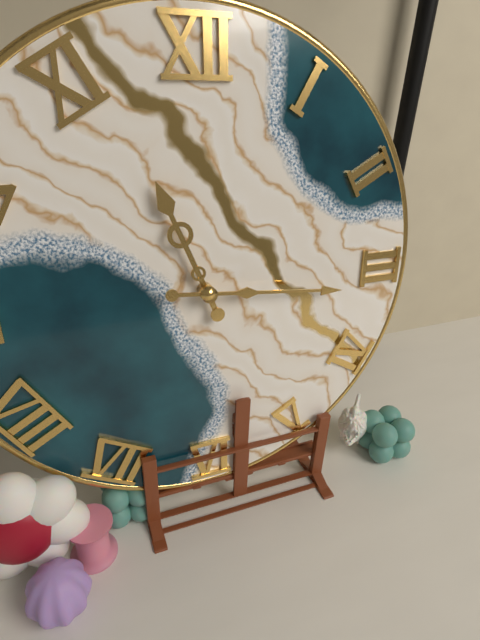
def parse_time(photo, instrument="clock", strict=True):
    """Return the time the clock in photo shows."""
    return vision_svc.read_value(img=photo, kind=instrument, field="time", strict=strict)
11:16
